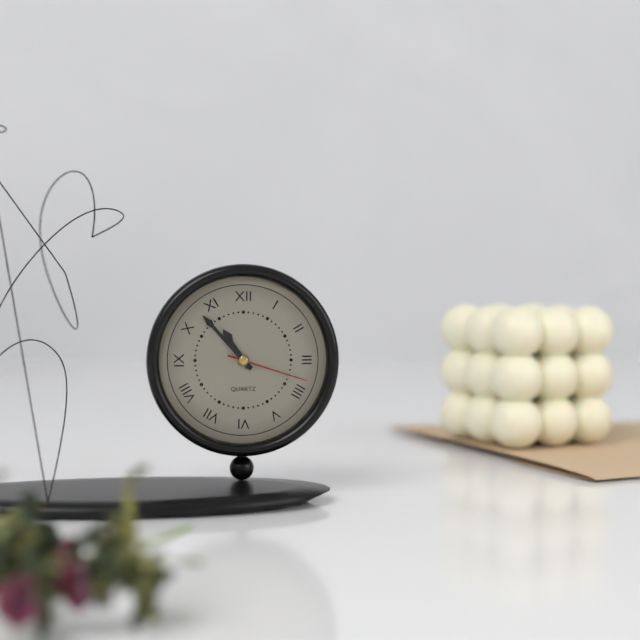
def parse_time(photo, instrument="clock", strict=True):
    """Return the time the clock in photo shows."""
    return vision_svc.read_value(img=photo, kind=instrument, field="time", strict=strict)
10:53:18
